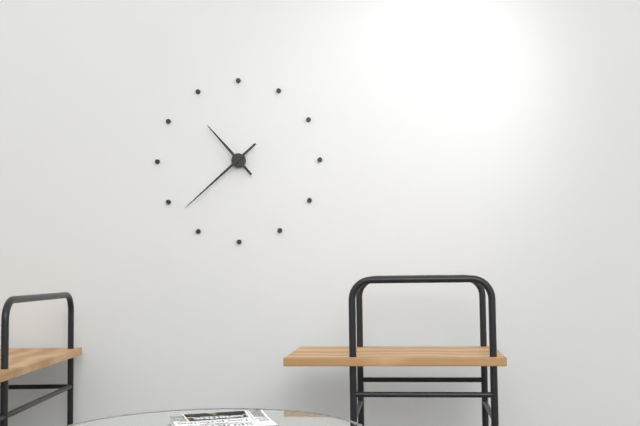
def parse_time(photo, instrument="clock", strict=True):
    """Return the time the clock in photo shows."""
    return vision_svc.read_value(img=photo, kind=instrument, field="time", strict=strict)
10:38
